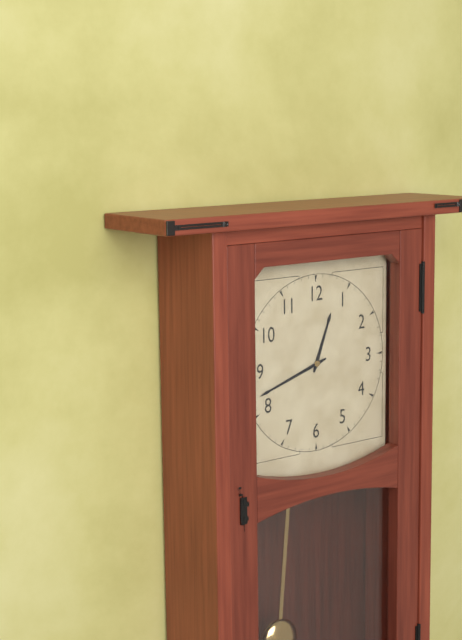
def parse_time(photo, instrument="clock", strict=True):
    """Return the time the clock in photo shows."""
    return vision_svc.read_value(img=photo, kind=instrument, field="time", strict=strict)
12:42
